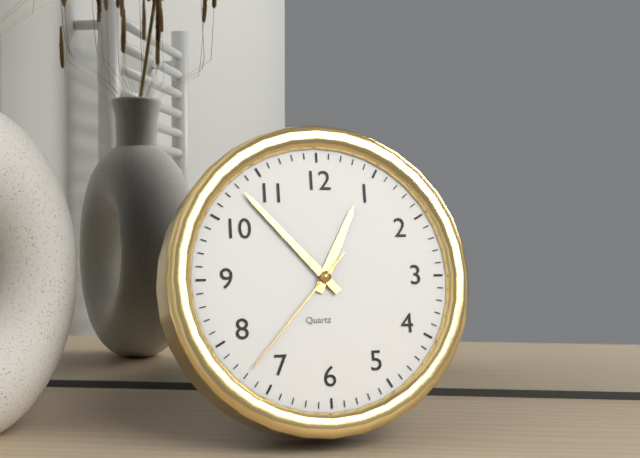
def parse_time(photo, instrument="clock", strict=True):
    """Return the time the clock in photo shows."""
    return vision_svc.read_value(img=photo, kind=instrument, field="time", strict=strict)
12:53:37
